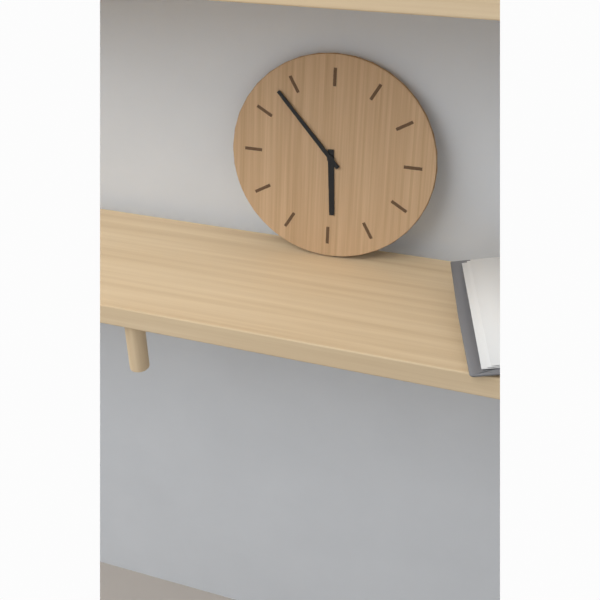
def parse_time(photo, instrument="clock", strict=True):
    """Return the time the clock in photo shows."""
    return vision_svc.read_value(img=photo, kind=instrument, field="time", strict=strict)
5:53
